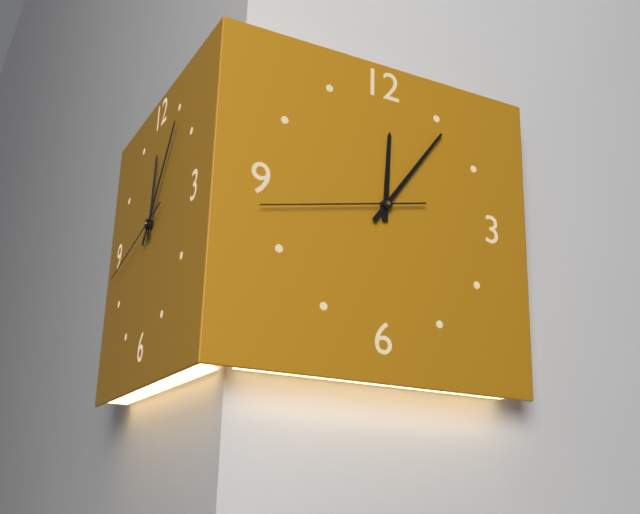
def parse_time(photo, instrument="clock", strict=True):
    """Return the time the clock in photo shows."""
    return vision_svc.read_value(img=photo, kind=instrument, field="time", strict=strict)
12:06:43
